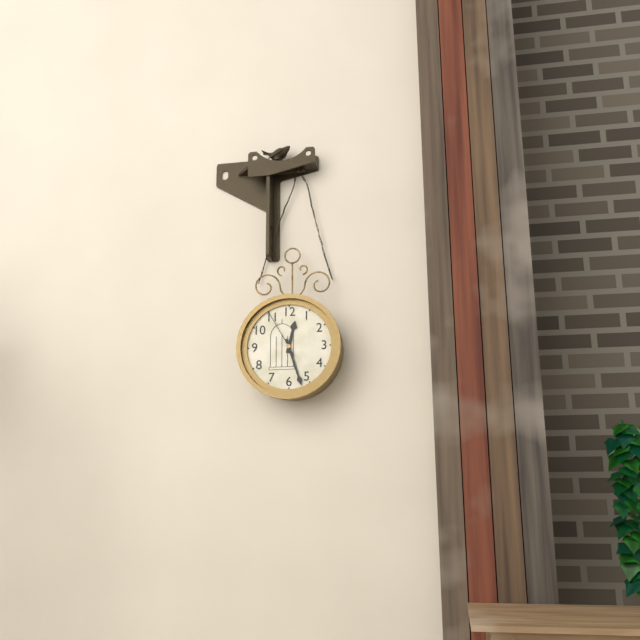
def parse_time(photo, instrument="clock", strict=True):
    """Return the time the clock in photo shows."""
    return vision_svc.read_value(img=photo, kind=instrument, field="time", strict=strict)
12:27:55
